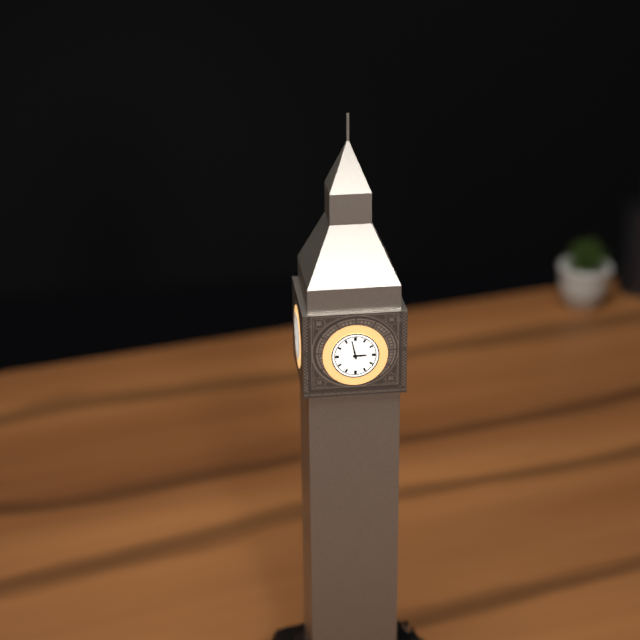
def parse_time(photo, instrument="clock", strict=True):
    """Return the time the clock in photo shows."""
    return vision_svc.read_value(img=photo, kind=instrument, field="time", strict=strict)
2:58
